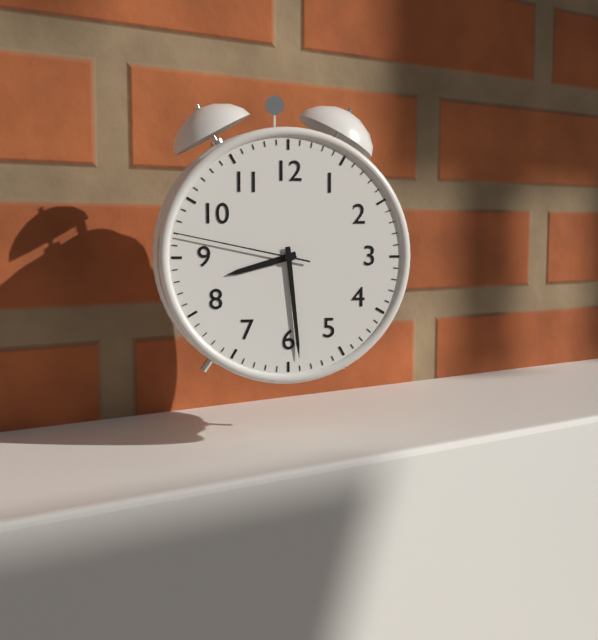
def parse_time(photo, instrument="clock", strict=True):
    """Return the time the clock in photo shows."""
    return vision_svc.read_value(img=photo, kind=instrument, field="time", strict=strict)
8:29:47
